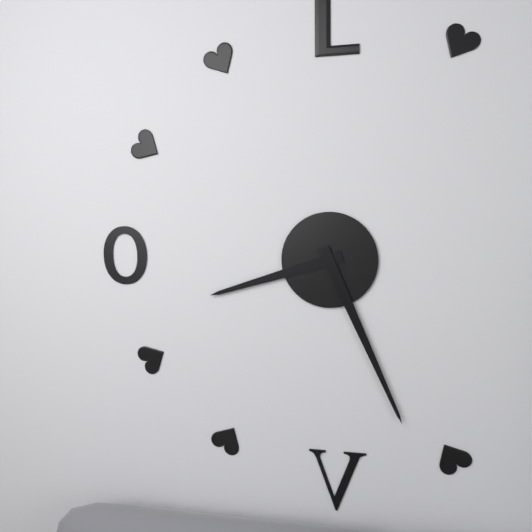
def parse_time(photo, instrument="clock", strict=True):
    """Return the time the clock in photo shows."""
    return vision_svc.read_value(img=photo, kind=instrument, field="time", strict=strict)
8:26
